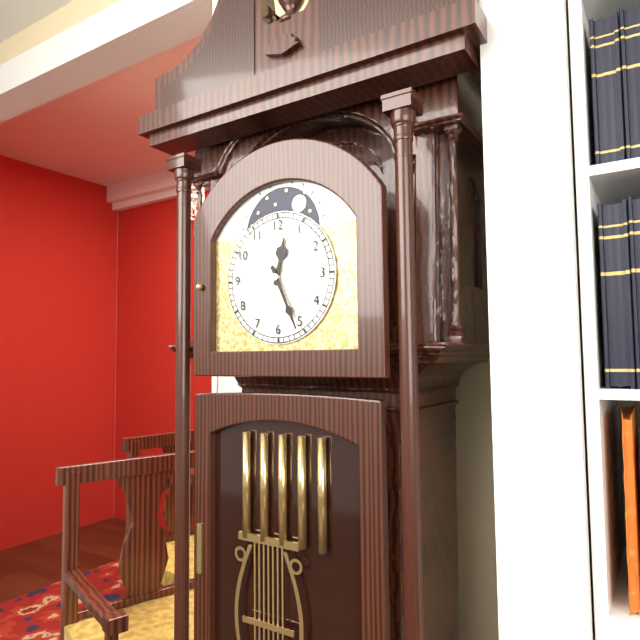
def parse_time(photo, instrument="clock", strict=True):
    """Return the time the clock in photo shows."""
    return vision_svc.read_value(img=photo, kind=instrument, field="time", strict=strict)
12:26
